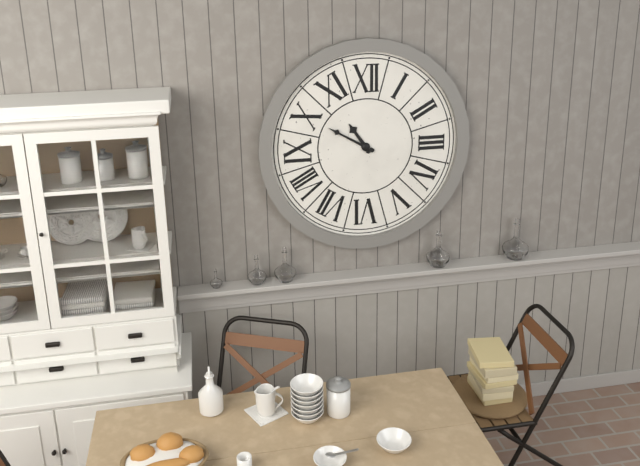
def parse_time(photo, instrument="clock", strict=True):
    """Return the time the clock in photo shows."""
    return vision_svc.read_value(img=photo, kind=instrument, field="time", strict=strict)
10:50
